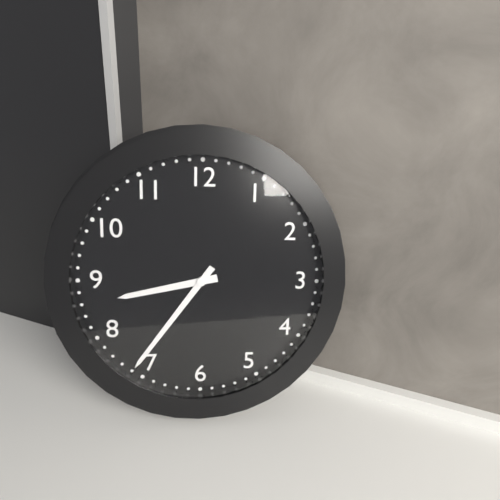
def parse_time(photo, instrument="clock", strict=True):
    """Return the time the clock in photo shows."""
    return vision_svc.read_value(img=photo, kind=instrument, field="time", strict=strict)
8:36
